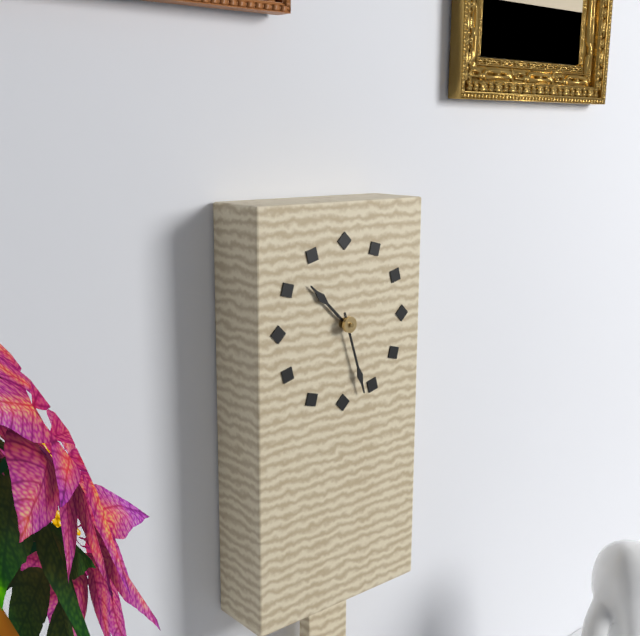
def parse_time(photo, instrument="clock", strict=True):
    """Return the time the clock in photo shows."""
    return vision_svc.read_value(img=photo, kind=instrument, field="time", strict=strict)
10:27
